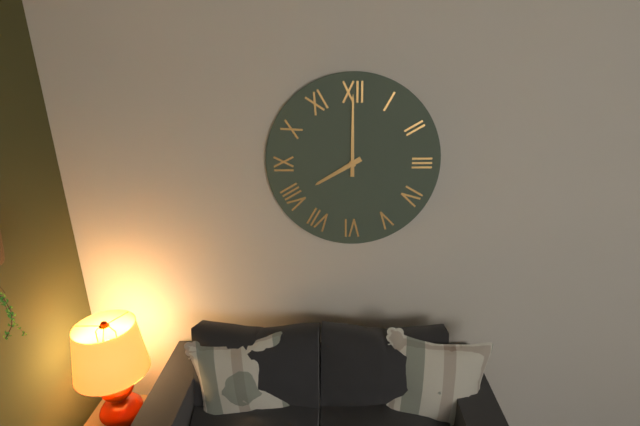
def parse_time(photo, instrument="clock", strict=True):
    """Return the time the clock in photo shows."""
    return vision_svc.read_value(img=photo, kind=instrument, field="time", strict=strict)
8:00
